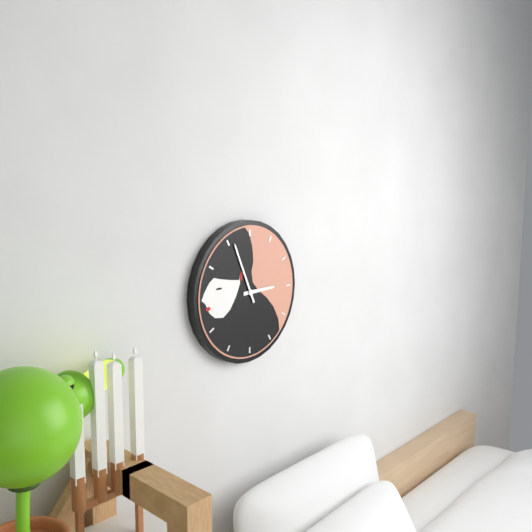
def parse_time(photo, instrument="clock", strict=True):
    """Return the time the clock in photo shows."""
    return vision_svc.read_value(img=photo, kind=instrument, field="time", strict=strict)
2:56
